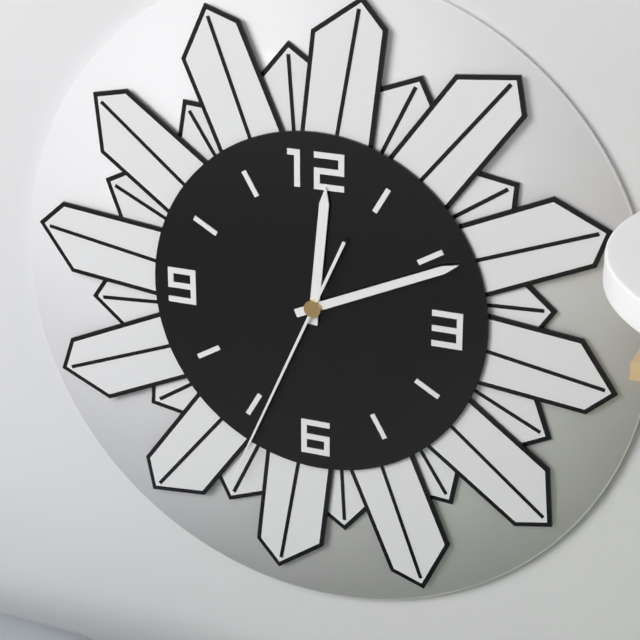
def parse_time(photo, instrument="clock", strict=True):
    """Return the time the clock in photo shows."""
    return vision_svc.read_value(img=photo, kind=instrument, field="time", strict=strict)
12:11:34
